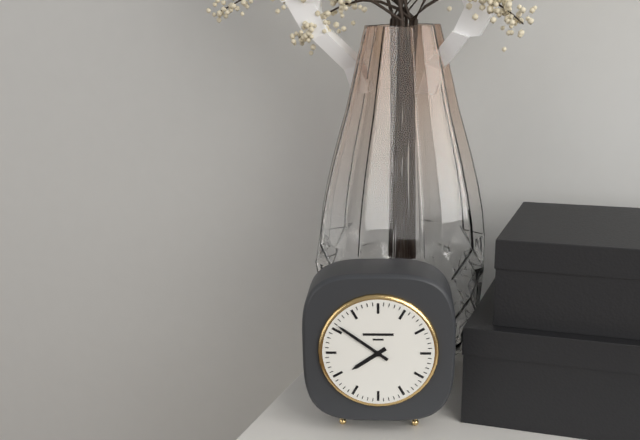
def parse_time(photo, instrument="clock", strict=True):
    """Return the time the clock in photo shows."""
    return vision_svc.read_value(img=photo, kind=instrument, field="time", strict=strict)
7:51
